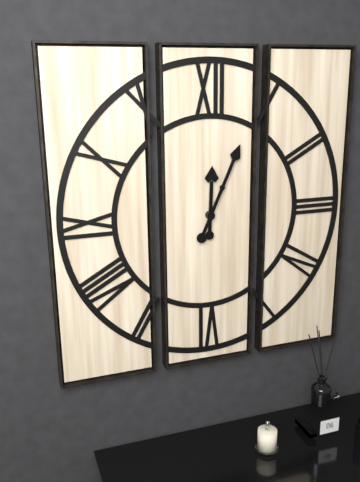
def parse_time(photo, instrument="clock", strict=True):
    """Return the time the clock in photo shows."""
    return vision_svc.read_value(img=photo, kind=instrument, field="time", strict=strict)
12:04
